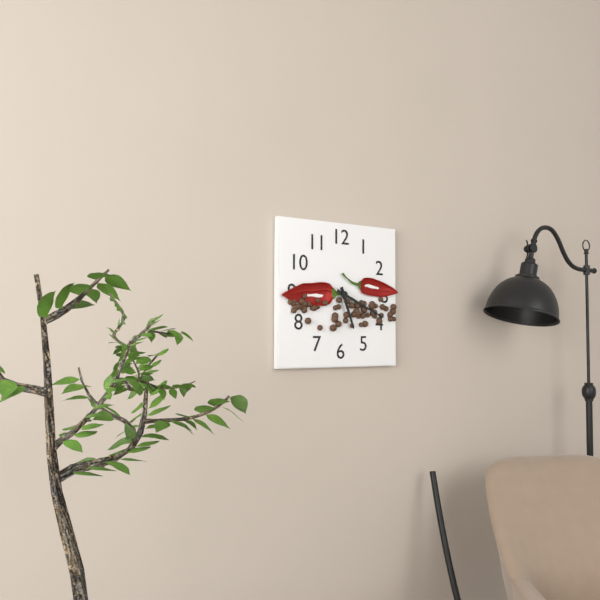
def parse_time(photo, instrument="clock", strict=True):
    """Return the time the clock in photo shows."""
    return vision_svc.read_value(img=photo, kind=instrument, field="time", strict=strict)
5:19
